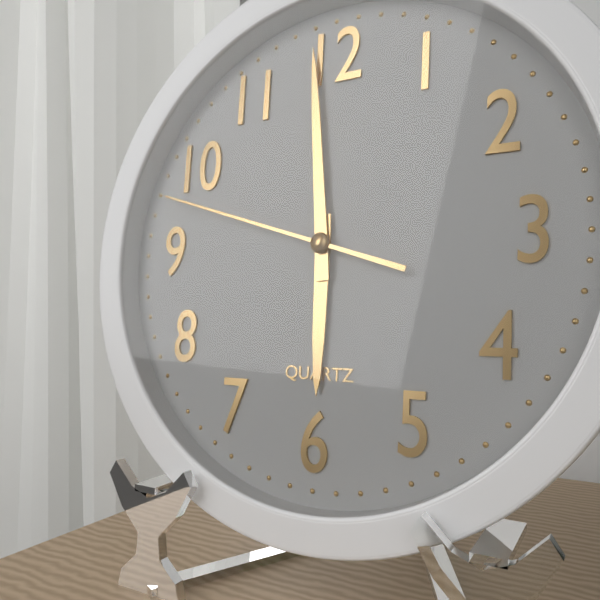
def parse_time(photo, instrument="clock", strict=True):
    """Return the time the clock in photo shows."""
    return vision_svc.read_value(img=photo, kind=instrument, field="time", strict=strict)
5:59:48
